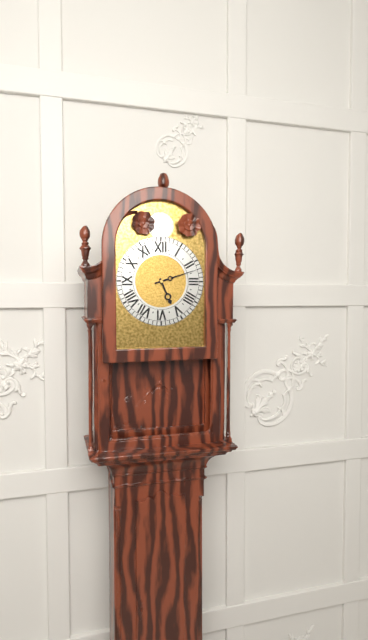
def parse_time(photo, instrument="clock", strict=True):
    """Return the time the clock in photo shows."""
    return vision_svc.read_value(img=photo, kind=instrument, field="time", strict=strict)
5:12
